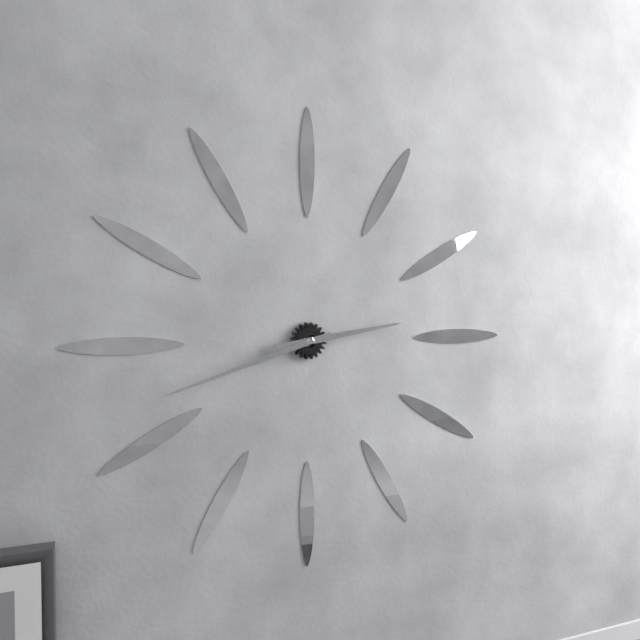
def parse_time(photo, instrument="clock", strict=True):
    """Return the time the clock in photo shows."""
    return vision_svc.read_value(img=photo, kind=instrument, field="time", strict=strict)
2:42
